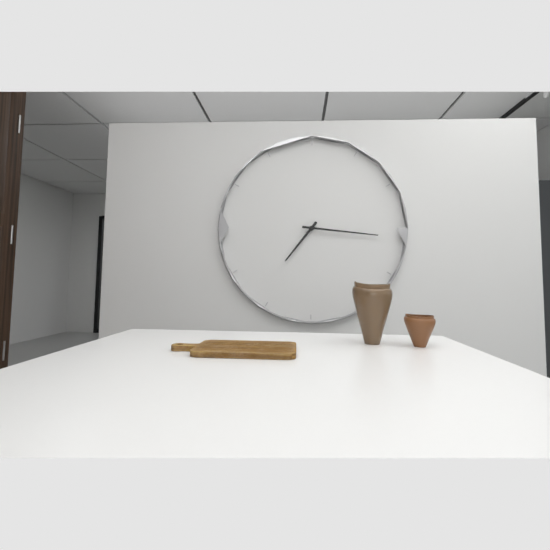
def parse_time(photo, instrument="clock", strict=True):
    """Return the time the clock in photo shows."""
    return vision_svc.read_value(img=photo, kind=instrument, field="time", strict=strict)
7:16
